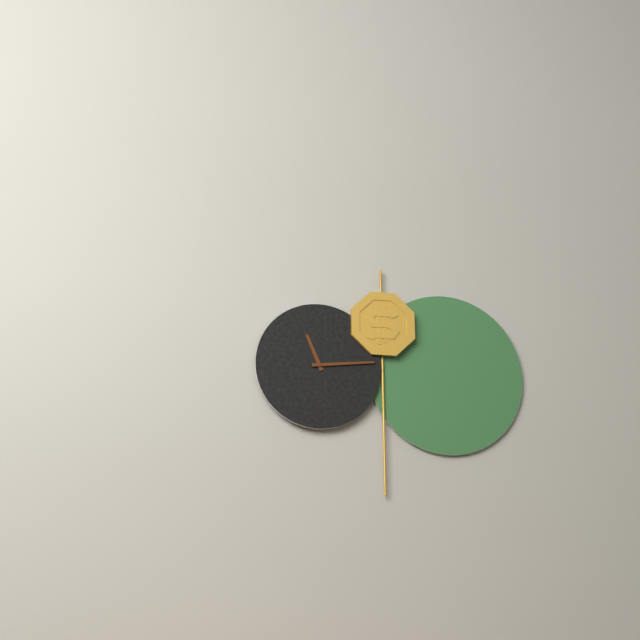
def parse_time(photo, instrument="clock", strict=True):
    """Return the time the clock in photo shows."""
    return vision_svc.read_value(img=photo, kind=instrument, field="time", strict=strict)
11:14
